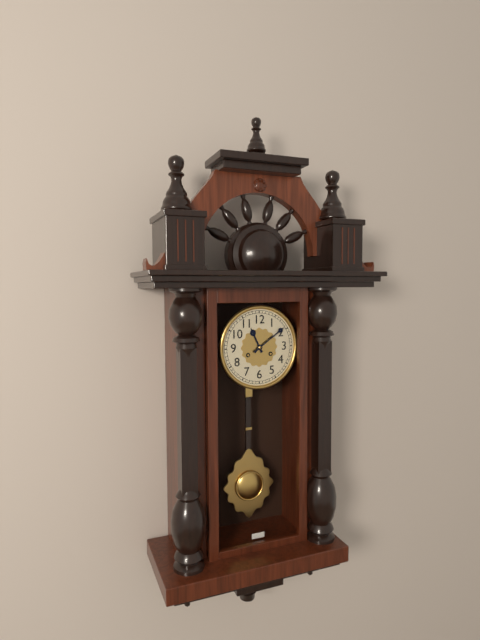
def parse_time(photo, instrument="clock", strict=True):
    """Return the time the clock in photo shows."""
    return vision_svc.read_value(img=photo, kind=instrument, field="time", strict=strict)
11:09
